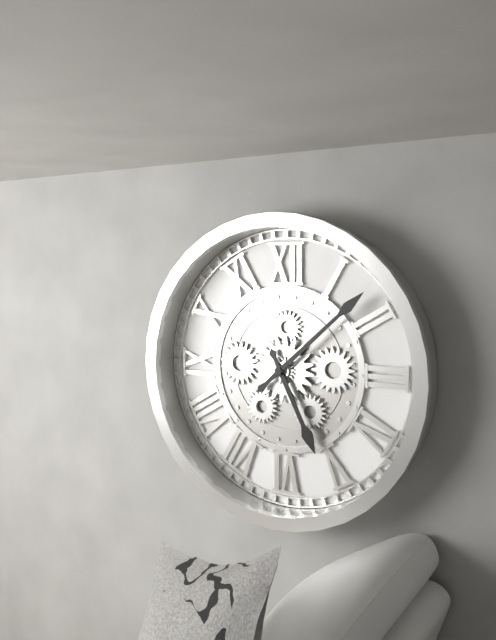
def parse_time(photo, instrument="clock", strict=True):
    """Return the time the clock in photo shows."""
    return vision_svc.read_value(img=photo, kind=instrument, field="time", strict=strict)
5:08
